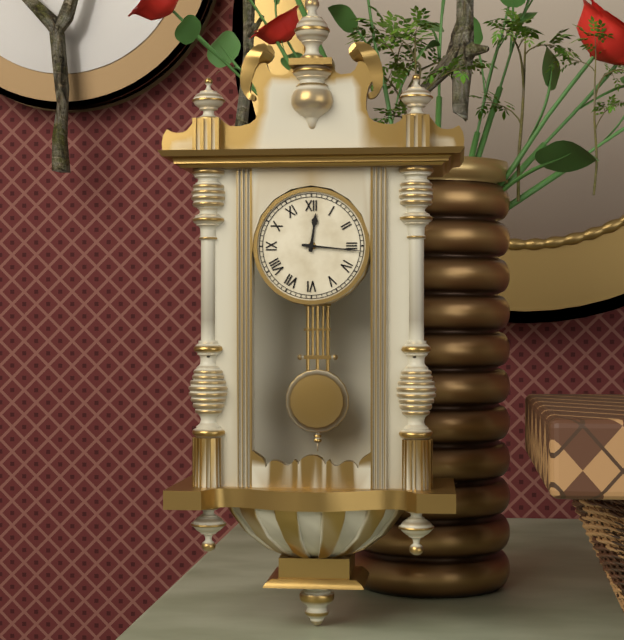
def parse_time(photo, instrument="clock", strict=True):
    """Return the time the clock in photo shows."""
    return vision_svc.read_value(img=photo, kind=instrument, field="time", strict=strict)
12:16
